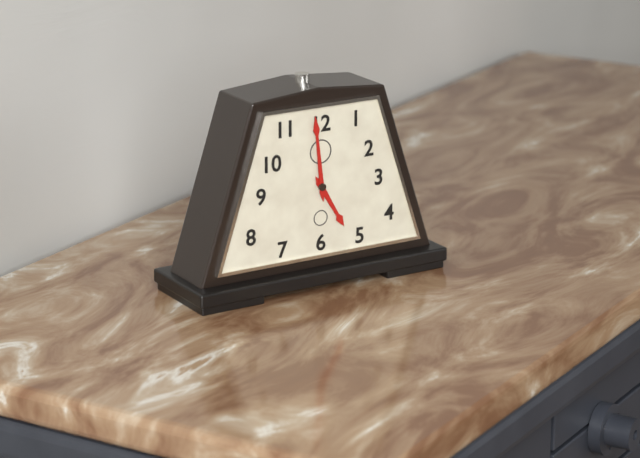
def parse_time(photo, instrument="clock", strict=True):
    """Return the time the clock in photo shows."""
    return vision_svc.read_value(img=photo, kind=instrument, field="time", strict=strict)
4:59
